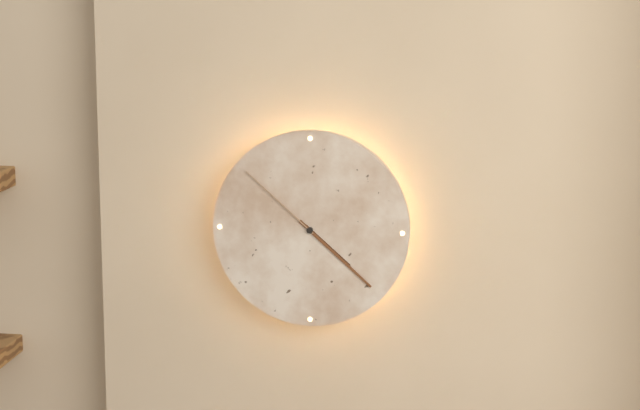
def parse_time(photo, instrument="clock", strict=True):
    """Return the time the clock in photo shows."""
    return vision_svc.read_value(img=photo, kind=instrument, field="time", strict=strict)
4:22:52
